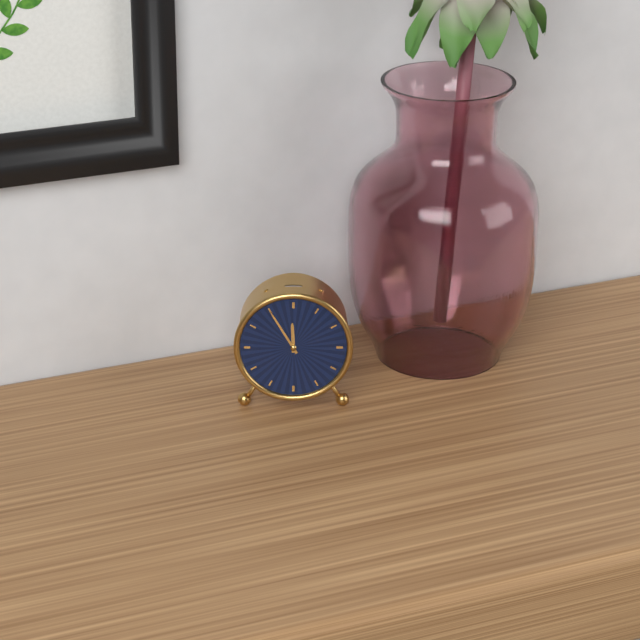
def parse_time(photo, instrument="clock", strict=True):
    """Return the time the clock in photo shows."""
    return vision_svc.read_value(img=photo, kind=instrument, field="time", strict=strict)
11:55
